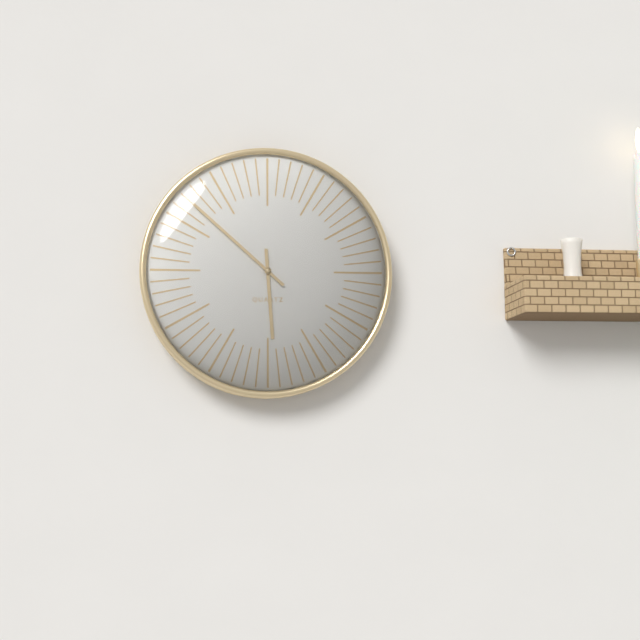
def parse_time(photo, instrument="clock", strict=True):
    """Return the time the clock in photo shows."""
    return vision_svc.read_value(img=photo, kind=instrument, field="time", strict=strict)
5:52
